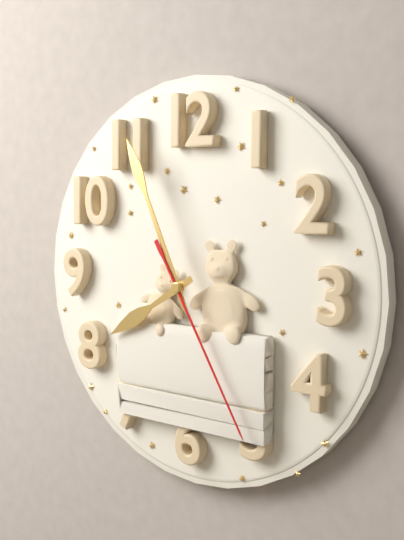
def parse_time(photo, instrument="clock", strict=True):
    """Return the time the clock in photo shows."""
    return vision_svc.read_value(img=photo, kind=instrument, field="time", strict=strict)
7:56:25
